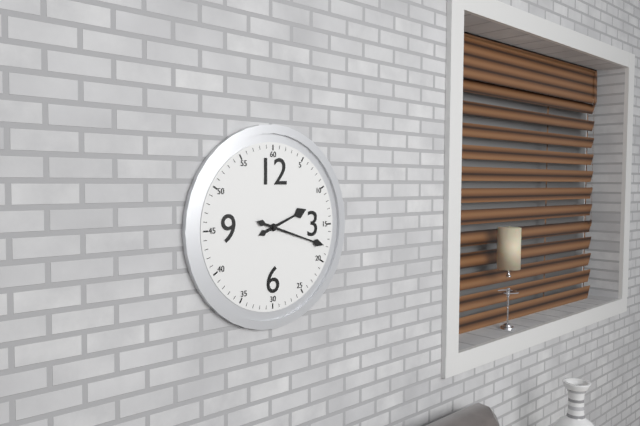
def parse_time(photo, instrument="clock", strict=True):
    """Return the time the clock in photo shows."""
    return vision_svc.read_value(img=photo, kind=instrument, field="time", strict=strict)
2:18
